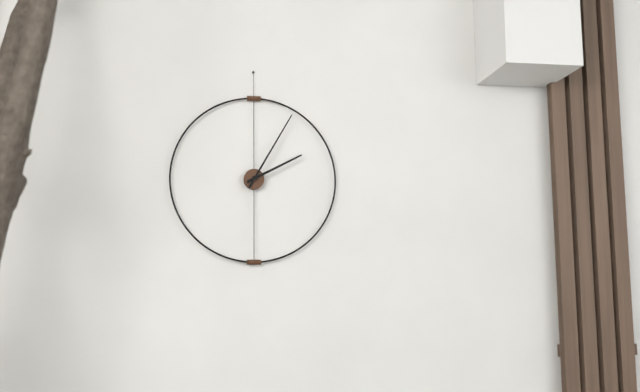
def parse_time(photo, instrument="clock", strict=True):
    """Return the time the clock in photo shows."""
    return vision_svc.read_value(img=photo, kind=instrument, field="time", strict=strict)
2:05
